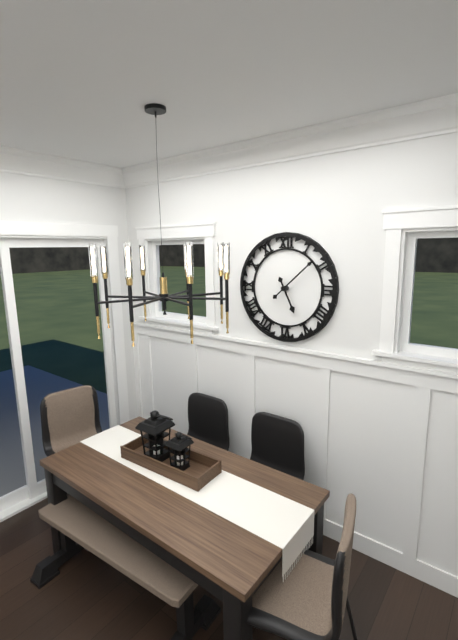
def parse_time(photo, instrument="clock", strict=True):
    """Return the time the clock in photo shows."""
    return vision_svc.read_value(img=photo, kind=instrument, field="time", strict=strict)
5:08
